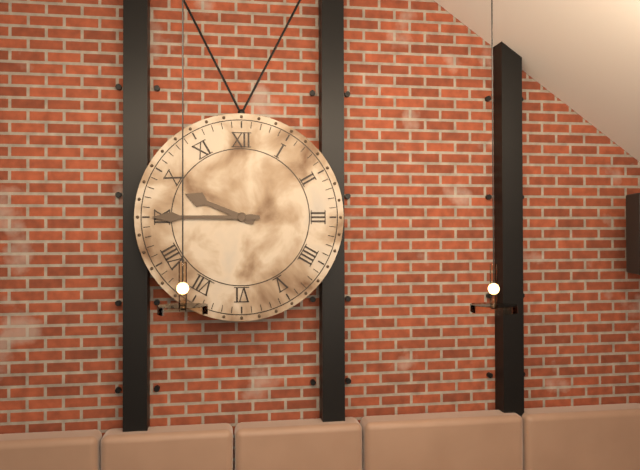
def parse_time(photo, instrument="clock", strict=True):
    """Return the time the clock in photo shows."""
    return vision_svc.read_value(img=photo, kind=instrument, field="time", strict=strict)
9:45
